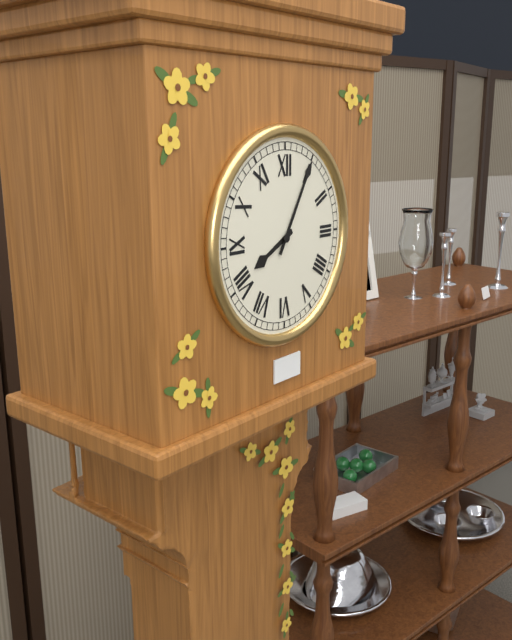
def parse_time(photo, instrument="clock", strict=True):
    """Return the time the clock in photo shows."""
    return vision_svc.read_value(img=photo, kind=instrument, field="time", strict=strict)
8:05
